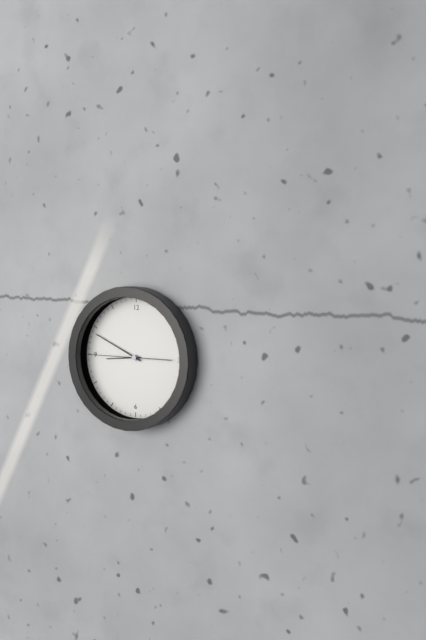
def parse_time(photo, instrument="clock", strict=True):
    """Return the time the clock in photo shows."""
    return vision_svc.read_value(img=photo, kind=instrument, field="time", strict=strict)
8:49:45
